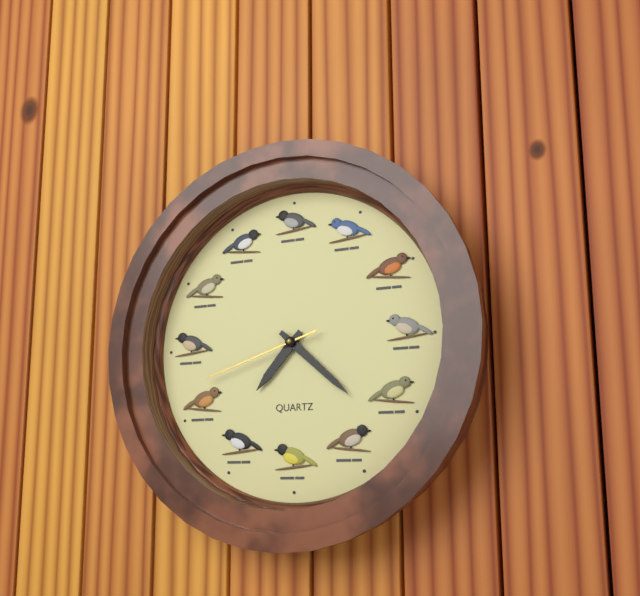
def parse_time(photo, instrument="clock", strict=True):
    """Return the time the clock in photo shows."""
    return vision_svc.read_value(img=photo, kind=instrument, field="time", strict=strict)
7:22:42
